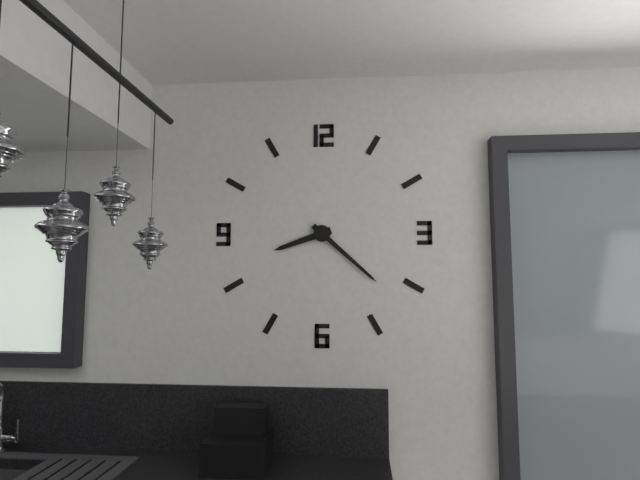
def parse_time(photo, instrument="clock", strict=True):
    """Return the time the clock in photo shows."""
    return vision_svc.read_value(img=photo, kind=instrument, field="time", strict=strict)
8:22
